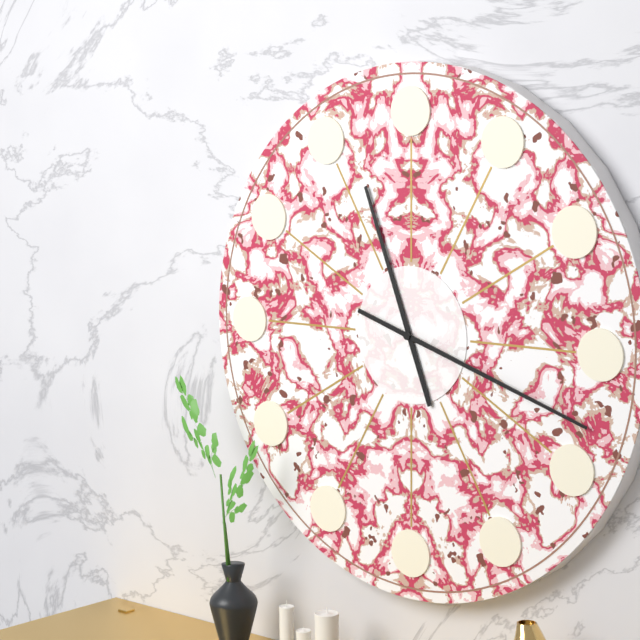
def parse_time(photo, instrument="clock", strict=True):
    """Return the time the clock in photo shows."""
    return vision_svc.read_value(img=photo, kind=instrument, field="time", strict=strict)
11:18
